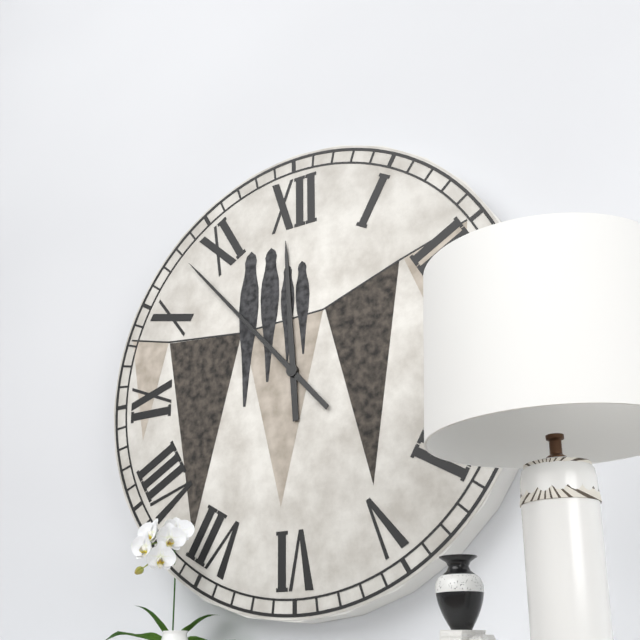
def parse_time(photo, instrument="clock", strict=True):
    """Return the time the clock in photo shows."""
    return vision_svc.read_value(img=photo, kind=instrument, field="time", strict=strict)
11:53
